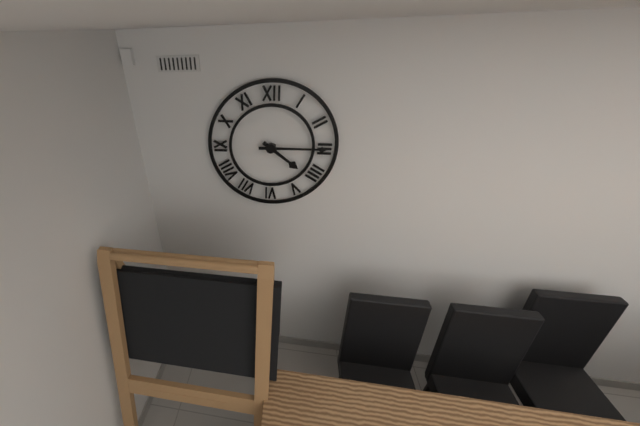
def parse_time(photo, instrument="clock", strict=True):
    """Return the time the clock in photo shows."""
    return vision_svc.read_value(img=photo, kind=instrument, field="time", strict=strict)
4:15
